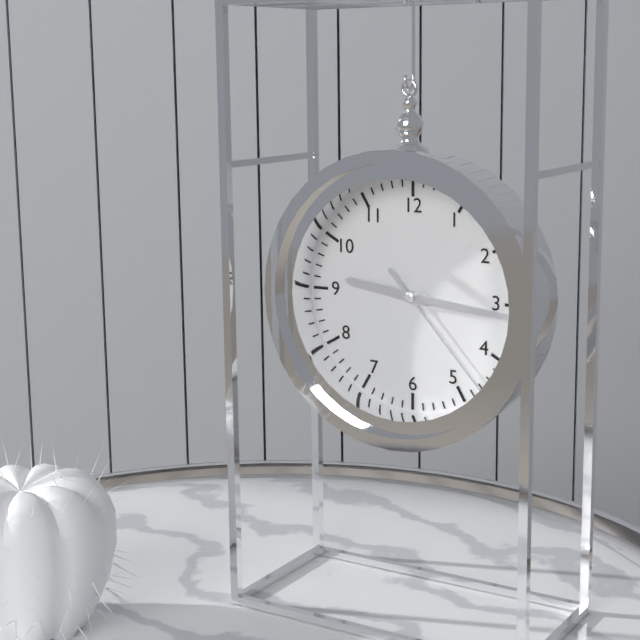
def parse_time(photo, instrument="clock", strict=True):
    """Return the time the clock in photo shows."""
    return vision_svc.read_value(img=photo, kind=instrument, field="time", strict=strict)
9:16:23
